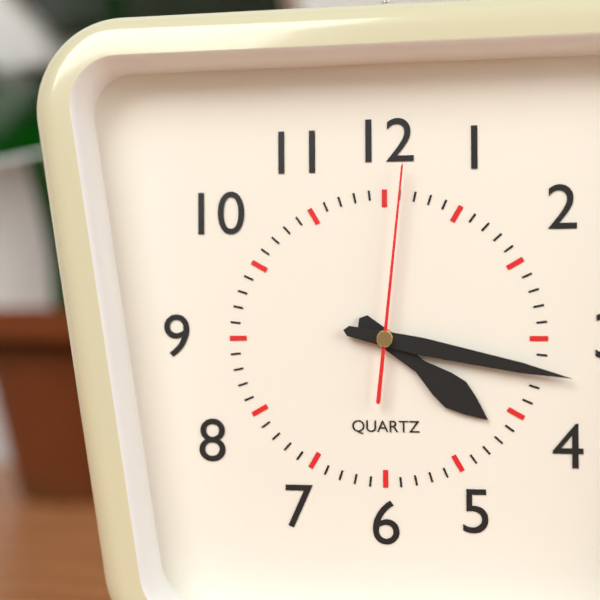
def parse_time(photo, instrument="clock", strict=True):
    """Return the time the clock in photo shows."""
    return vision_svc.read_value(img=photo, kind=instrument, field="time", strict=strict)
4:17:01
